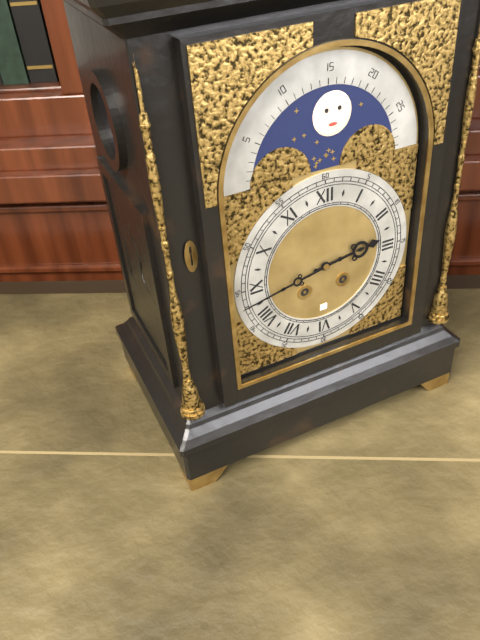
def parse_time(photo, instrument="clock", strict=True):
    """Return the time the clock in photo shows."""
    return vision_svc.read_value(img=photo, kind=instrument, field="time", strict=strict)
2:43
